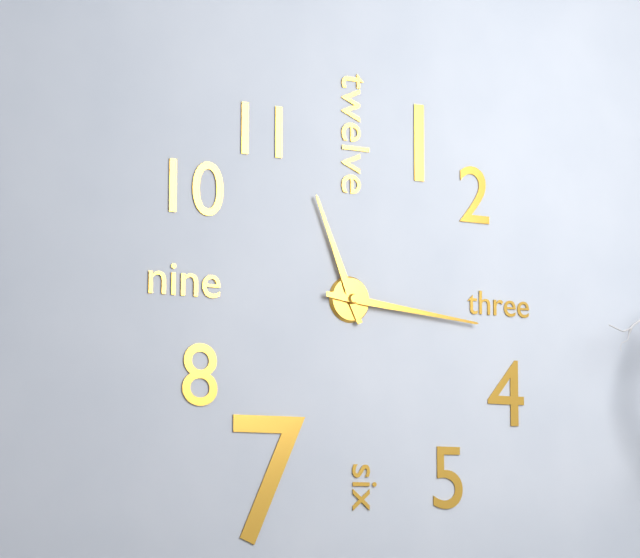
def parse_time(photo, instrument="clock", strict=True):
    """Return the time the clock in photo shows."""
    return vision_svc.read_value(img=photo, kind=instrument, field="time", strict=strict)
11:16
